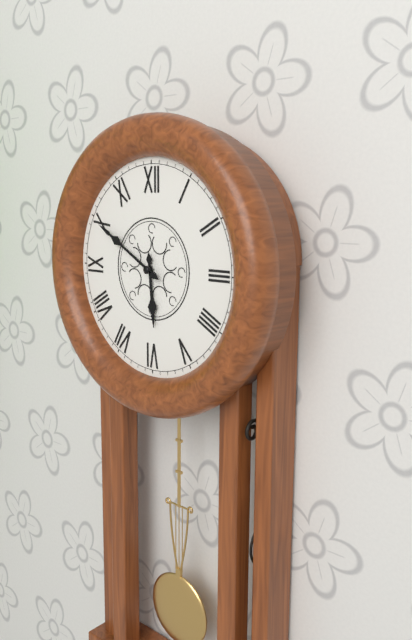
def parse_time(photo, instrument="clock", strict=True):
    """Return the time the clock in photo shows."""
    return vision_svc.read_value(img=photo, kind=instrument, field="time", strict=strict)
5:50
